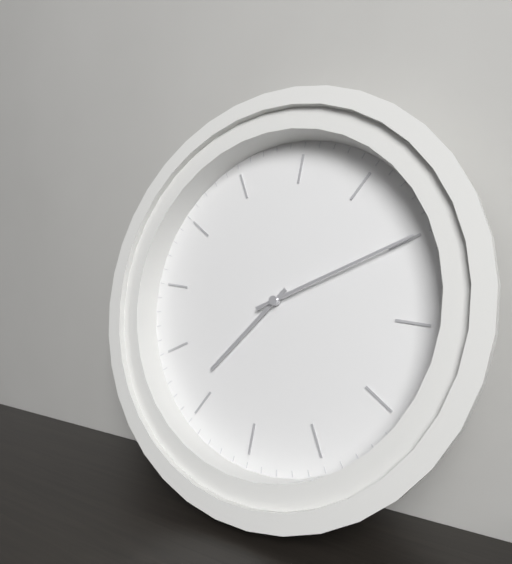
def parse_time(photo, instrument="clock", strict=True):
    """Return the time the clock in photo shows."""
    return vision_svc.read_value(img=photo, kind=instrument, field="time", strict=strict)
8:15
